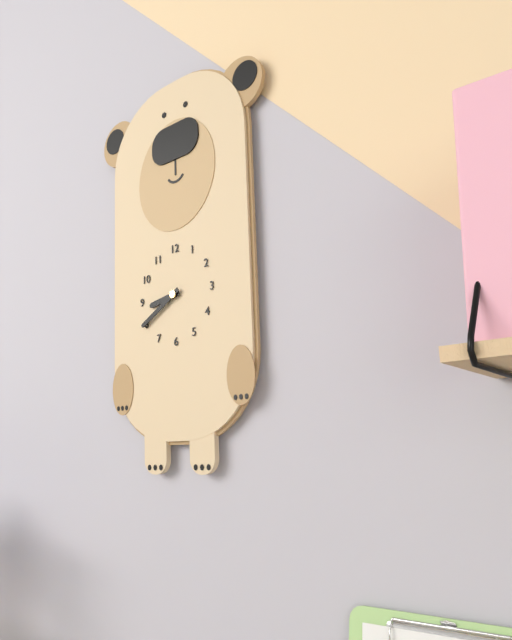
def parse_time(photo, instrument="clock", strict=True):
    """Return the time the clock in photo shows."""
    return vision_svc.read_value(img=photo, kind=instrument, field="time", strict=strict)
8:40
